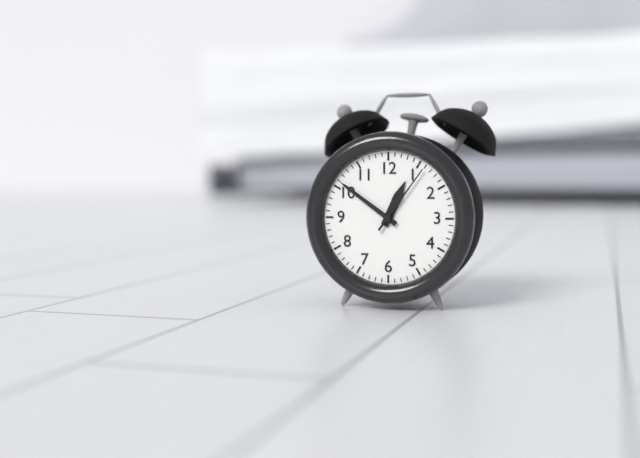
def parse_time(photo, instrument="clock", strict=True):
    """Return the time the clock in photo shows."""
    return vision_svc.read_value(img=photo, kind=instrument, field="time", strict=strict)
12:51:06
